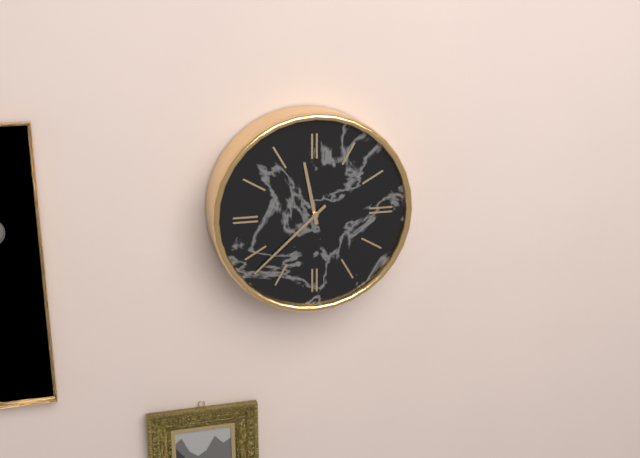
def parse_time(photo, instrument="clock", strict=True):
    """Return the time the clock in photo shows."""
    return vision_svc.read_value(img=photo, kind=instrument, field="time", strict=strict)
11:38
